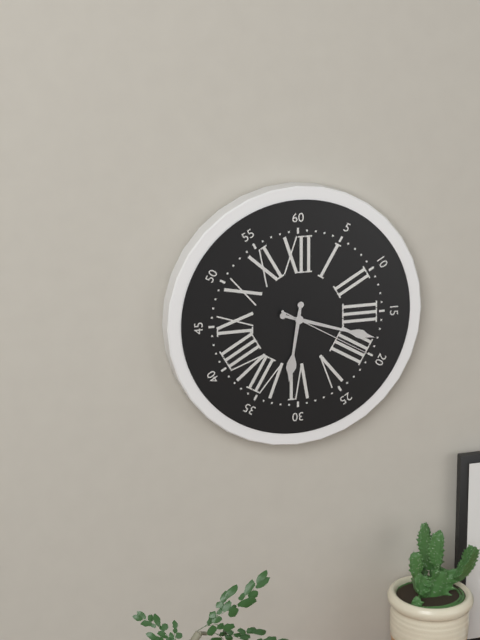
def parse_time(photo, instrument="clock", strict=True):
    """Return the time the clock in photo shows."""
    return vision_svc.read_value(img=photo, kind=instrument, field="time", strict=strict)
6:18:20
